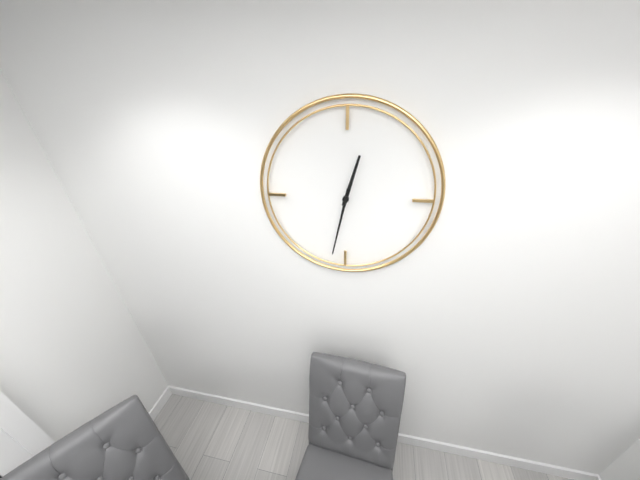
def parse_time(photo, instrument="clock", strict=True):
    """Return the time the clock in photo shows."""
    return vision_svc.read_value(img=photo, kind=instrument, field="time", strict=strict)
12:32
